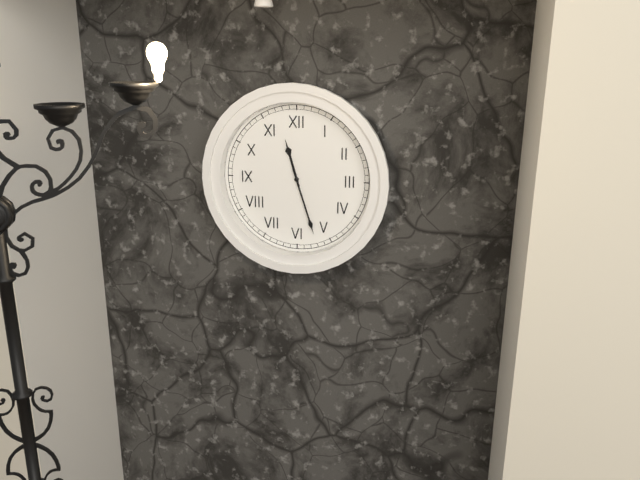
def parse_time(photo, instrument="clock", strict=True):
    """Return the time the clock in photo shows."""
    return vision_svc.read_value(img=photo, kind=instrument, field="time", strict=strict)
11:27
